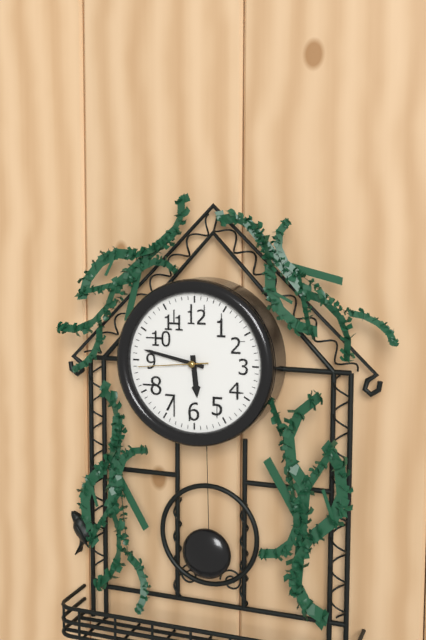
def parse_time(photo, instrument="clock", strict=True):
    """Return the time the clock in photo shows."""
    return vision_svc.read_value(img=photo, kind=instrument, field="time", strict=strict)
5:47:44
